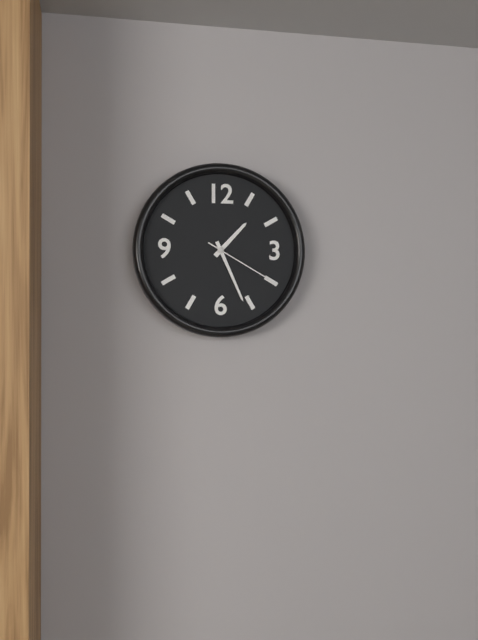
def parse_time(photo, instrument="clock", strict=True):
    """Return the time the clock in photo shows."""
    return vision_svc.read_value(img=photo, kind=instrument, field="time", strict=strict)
1:26:20
